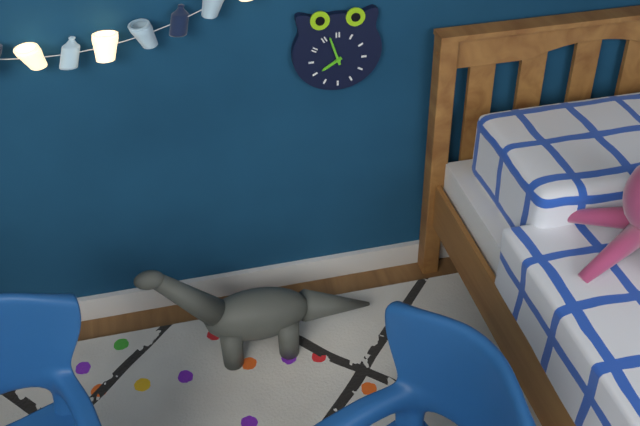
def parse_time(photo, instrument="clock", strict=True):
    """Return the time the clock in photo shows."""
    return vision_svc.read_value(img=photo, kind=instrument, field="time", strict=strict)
7:57
